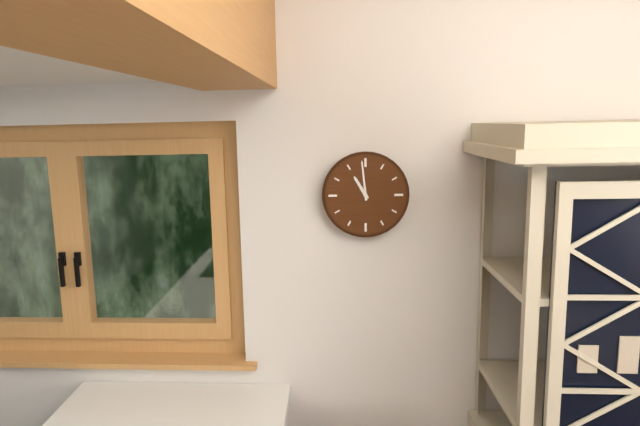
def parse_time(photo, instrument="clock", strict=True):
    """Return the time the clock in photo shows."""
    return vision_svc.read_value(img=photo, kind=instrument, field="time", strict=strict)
10:59
